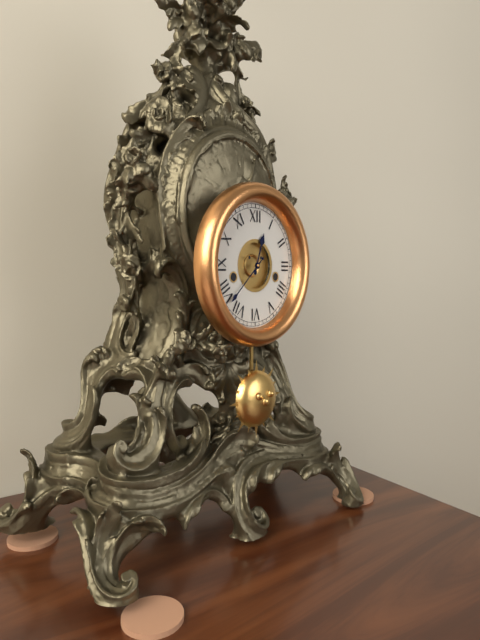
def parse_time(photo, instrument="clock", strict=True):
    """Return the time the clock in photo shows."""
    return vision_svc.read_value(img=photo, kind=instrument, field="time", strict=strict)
12:38
